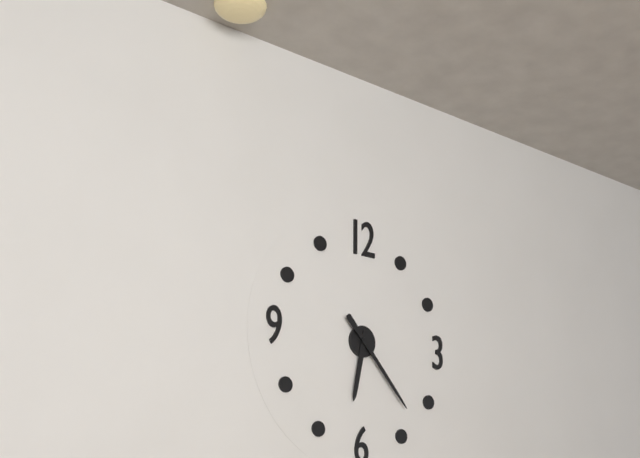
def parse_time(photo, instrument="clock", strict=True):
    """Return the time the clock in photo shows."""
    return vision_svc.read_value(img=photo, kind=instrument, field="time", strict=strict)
6:23
